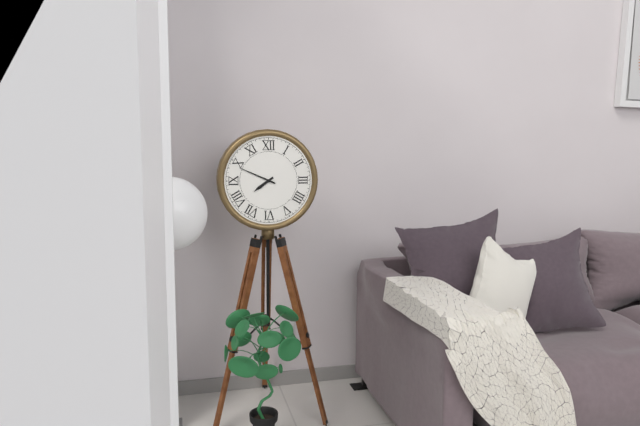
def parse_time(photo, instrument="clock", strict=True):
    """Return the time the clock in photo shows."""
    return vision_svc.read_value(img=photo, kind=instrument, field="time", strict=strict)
7:49
